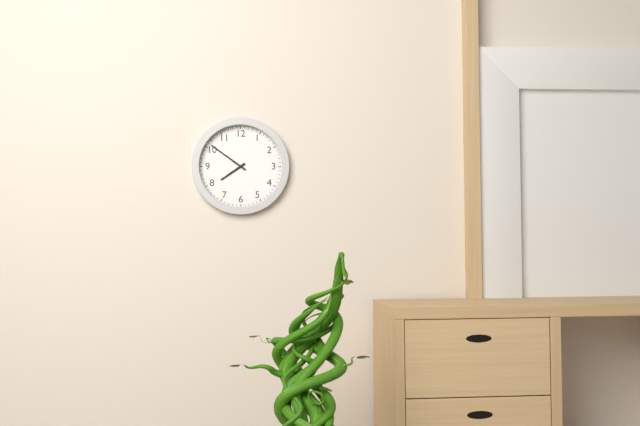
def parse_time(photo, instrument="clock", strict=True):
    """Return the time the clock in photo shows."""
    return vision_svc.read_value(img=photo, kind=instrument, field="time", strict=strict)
7:51
